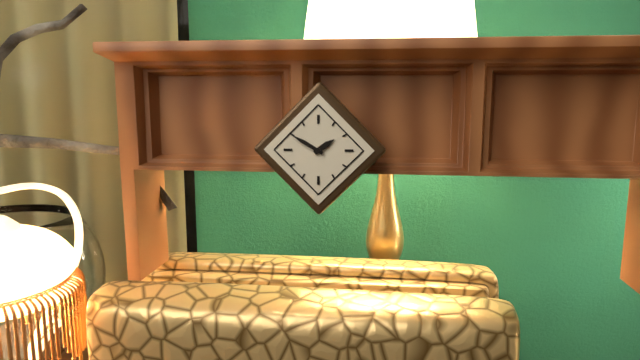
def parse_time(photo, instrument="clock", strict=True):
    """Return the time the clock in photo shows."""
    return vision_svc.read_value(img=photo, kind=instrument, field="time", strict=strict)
1:50
